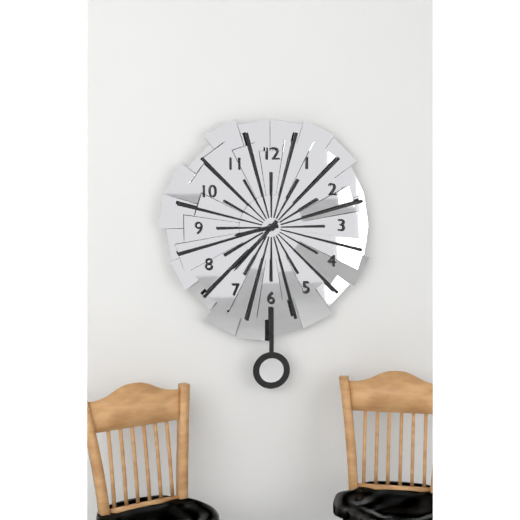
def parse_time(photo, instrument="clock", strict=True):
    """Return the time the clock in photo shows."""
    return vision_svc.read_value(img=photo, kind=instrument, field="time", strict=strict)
8:37
